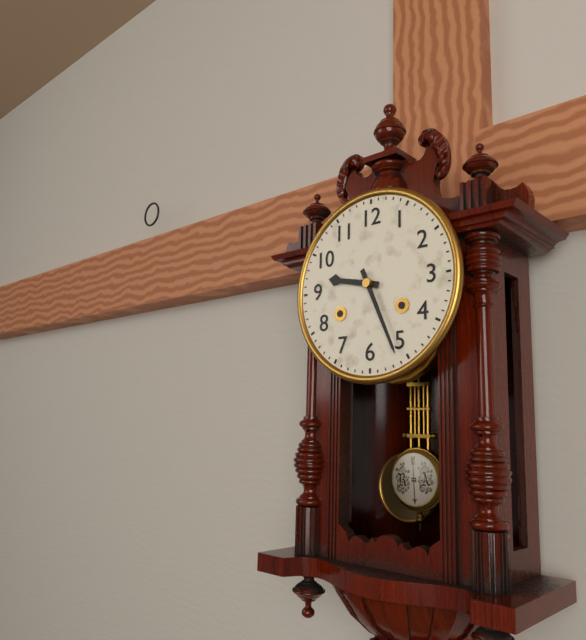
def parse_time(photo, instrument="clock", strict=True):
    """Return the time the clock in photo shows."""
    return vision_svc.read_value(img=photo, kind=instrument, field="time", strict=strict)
9:26
